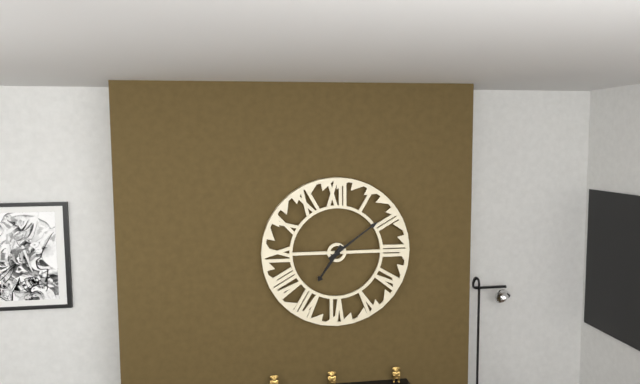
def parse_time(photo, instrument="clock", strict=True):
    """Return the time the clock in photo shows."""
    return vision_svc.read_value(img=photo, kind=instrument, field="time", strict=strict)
7:09
